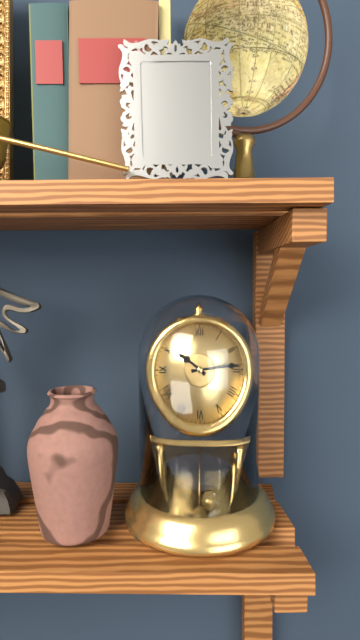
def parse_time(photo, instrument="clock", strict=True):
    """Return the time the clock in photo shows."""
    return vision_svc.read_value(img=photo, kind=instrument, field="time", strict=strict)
10:14
